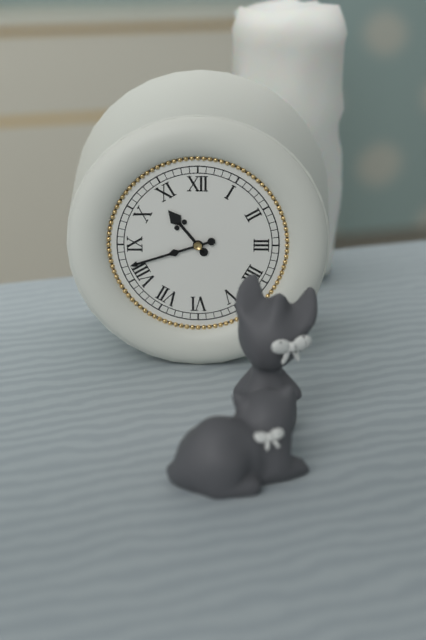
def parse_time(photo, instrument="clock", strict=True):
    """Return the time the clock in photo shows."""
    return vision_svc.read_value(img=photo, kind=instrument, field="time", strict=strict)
10:42
